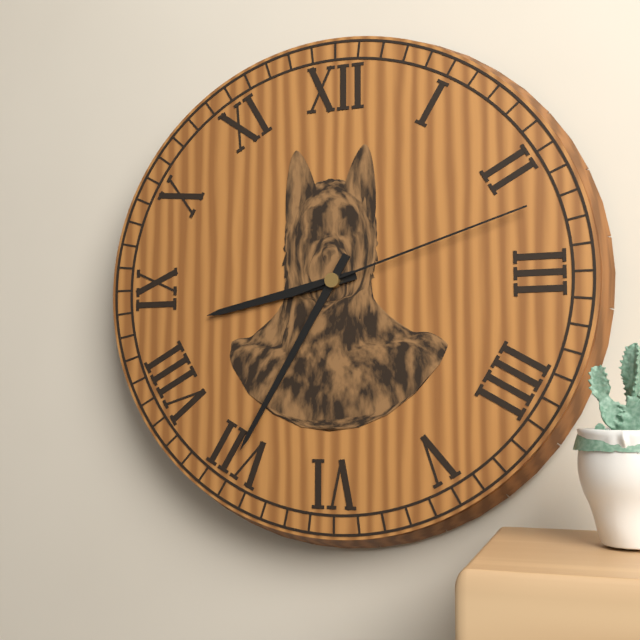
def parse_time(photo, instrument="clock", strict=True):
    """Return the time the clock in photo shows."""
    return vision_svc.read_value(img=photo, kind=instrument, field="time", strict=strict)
8:35:12
